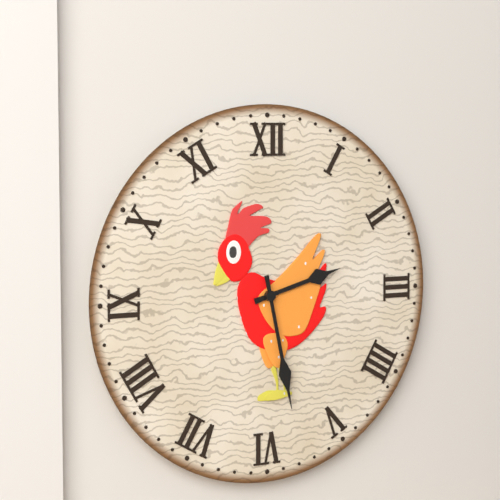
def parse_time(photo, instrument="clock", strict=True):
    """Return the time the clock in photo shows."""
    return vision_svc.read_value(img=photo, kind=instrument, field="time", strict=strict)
2:28
